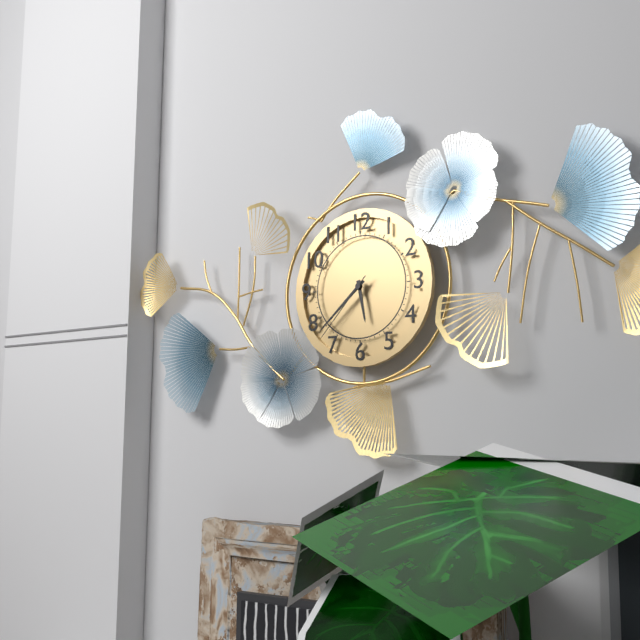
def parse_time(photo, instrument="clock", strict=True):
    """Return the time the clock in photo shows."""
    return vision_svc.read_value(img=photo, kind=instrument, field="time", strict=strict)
5:38:37
